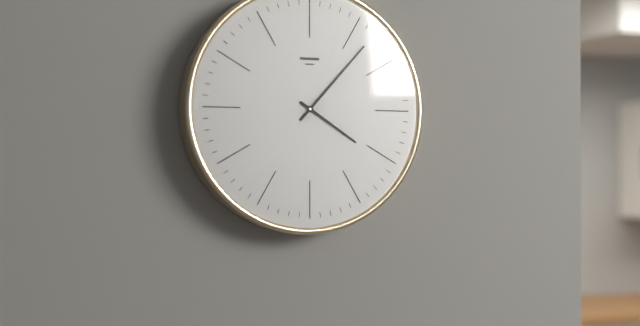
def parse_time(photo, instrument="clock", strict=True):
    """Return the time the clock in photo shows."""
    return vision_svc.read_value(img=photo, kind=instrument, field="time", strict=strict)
4:07
